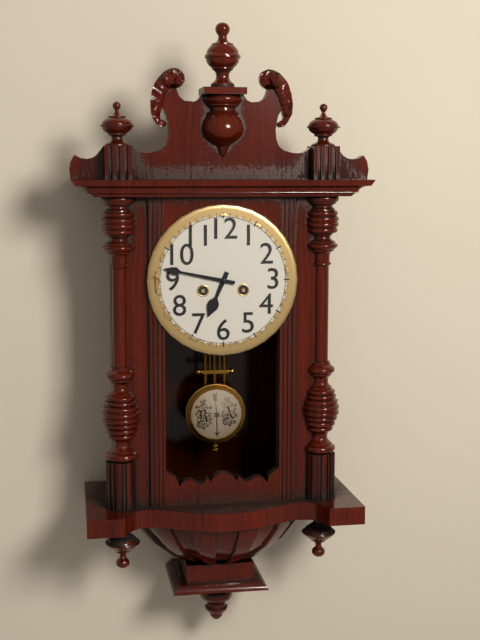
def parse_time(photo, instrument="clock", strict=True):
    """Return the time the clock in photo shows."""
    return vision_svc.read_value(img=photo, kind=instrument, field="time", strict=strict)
6:47
